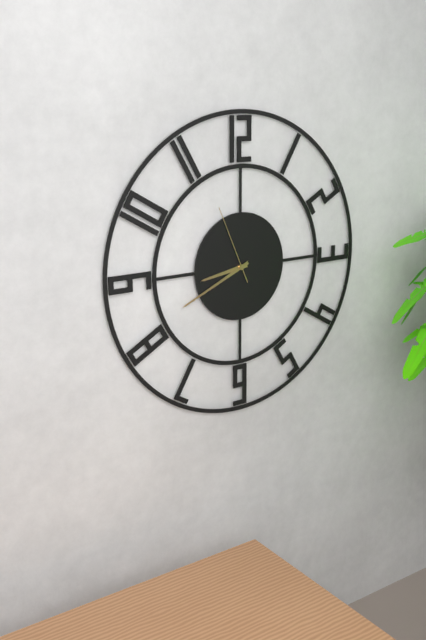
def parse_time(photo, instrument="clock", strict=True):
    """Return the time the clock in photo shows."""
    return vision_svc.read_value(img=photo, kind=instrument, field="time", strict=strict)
8:41:56
